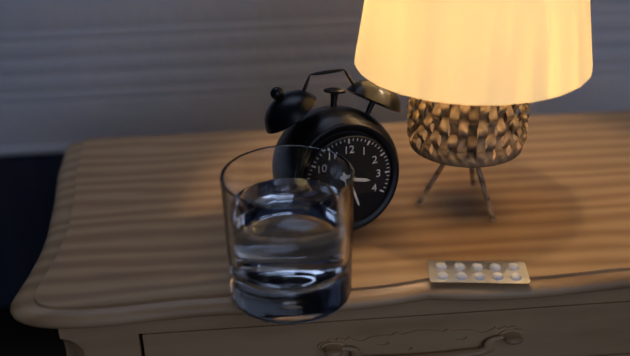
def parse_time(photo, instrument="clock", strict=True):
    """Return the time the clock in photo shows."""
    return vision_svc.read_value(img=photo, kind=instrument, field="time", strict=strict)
3:27
